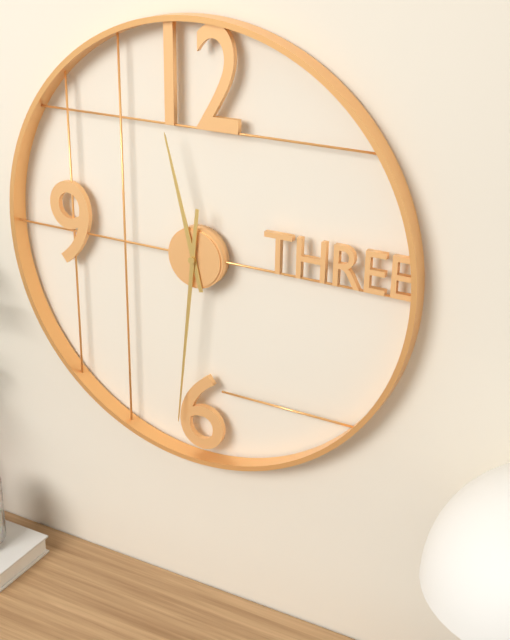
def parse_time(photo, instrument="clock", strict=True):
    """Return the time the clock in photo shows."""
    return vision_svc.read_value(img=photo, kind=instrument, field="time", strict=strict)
11:31
